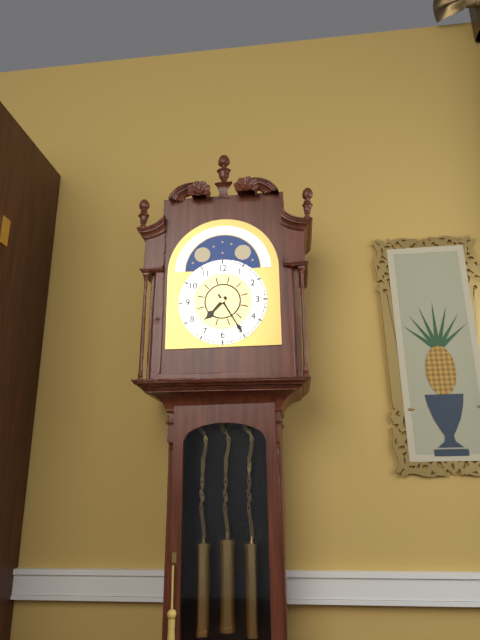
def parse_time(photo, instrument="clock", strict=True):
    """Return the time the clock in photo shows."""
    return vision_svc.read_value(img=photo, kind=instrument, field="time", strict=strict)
7:25
